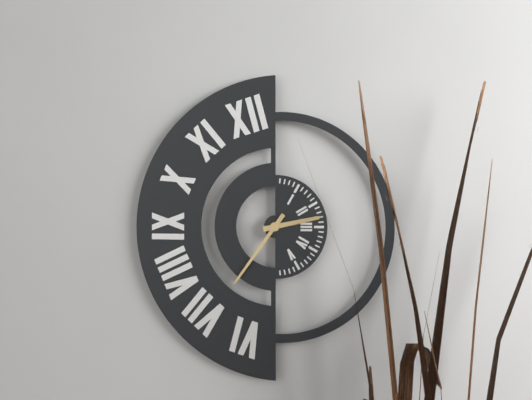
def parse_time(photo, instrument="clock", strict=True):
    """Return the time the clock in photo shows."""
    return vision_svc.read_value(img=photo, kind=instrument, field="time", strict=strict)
2:36
